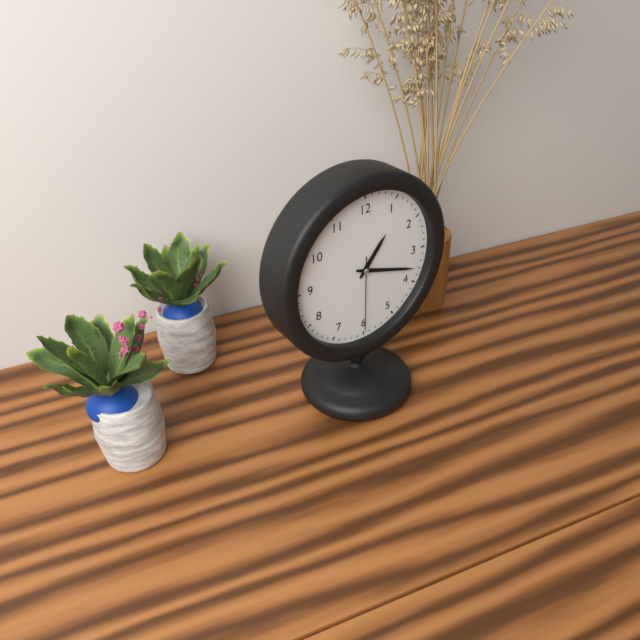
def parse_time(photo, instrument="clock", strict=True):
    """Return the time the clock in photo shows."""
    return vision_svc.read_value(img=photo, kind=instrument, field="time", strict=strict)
1:18:30
